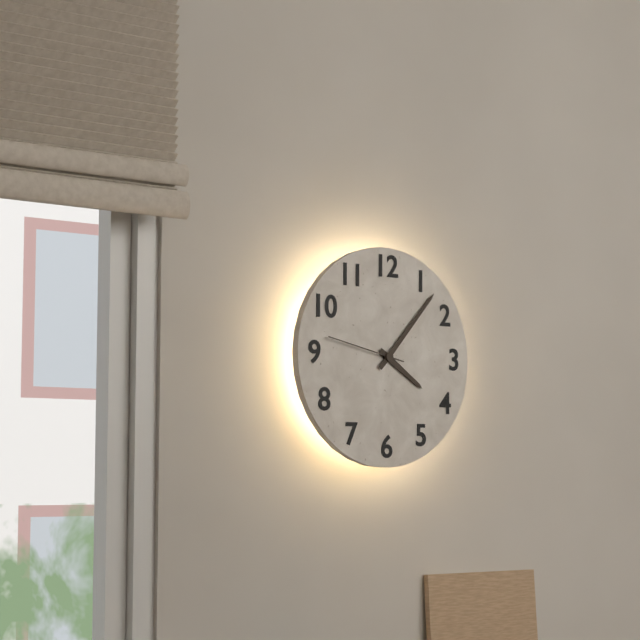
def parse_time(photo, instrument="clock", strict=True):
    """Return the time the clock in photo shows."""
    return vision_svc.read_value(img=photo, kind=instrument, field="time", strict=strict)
4:07:47
